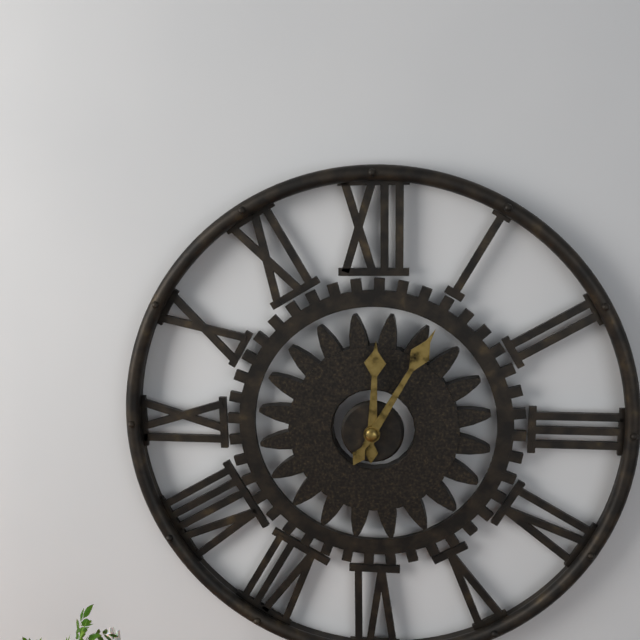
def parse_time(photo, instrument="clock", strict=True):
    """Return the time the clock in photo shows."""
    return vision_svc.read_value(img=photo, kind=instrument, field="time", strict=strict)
12:05
